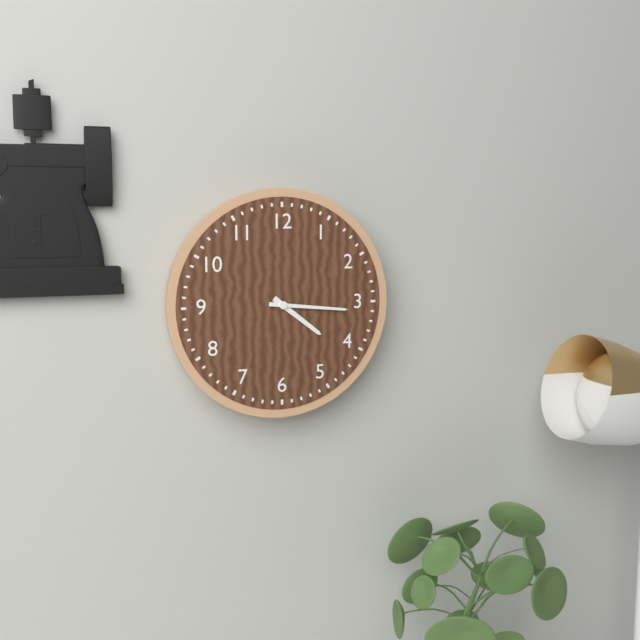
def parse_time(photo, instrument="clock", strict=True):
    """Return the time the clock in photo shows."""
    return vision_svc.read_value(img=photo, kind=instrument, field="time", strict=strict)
4:16
